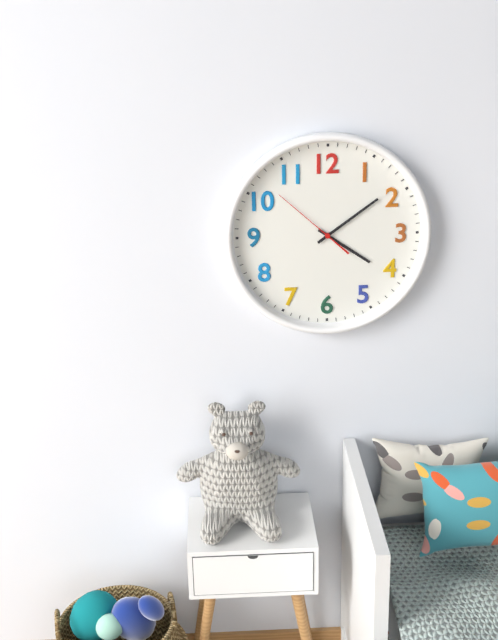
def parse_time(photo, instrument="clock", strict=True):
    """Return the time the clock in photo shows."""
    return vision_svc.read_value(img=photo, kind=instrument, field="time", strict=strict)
4:09:52
